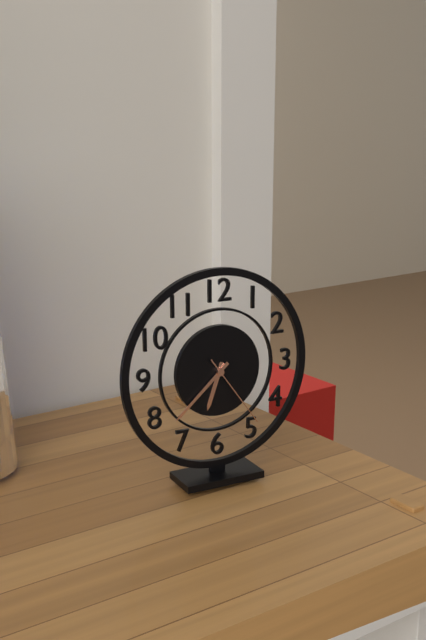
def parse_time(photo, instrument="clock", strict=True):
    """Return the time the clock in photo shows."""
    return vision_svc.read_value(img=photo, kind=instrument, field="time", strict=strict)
6:38:24
